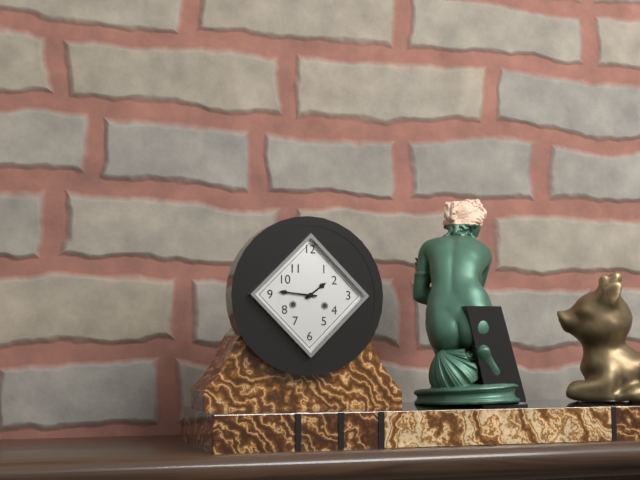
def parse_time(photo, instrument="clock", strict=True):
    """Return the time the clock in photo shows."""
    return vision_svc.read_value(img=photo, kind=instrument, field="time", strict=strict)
1:46
